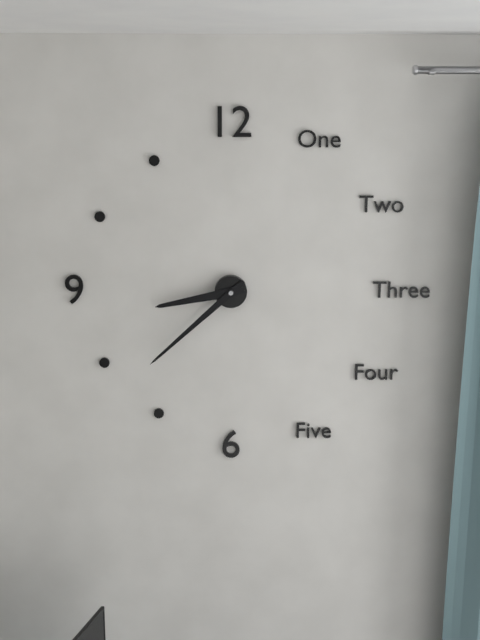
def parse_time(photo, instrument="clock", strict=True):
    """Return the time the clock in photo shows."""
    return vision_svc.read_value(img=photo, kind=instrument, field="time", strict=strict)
8:38
